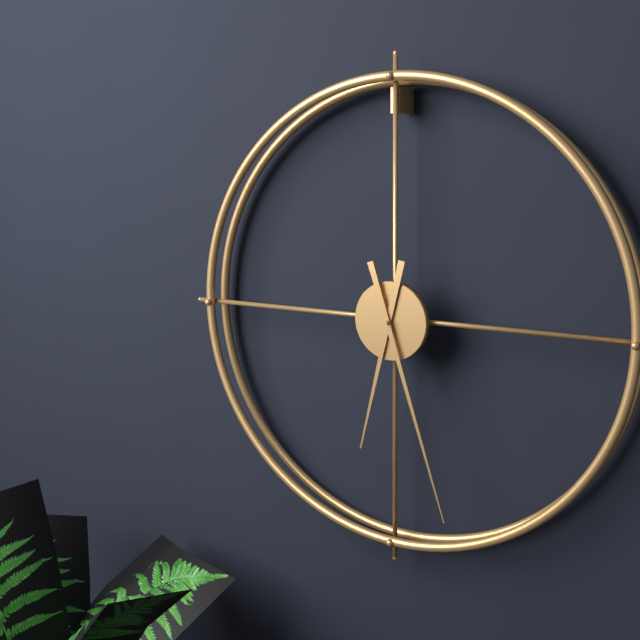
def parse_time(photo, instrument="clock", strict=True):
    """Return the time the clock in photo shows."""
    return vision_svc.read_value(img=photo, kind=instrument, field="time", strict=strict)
6:27
